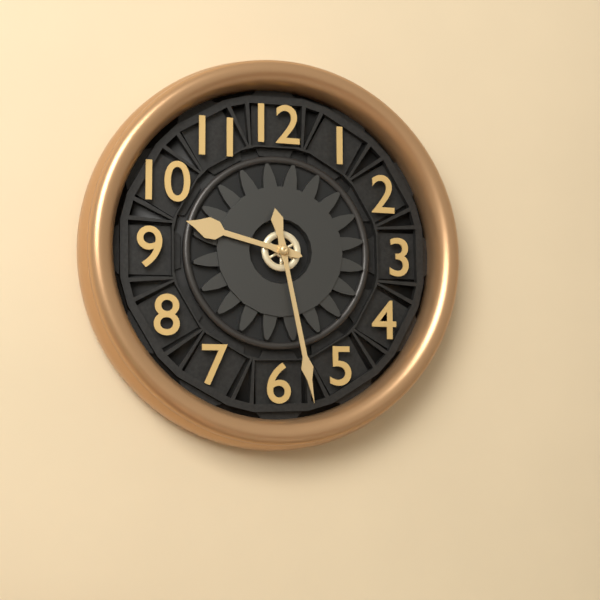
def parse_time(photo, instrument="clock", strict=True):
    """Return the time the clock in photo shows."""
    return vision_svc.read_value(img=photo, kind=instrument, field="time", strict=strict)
9:28
